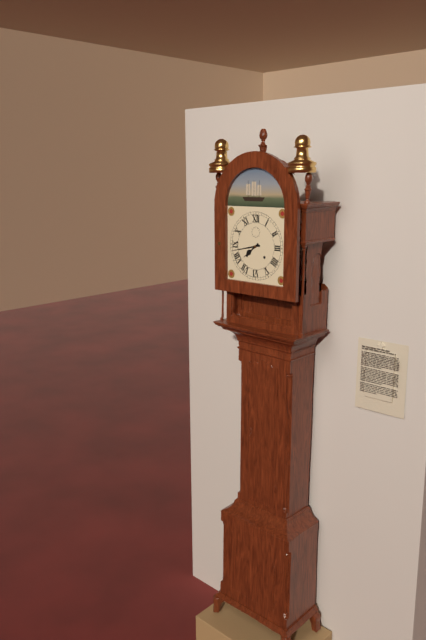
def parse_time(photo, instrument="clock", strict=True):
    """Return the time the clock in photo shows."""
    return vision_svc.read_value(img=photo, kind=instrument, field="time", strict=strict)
7:43
